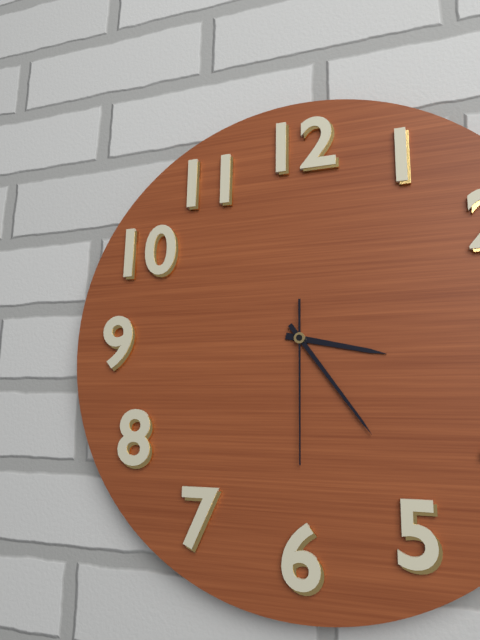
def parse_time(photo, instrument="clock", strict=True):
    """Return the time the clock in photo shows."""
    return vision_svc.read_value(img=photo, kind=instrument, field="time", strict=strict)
3:24:30
